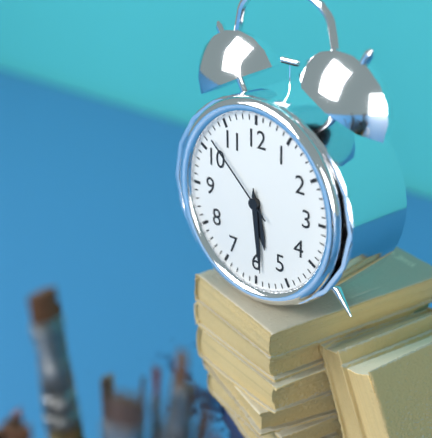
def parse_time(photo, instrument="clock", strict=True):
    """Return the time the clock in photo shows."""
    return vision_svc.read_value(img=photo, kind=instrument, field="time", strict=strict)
5:29:52
